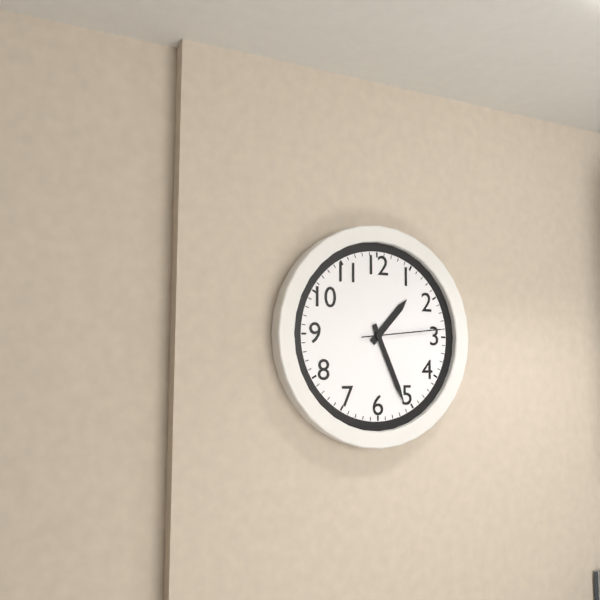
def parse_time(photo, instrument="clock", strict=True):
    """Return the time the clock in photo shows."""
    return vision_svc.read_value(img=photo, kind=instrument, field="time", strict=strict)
1:26:14
